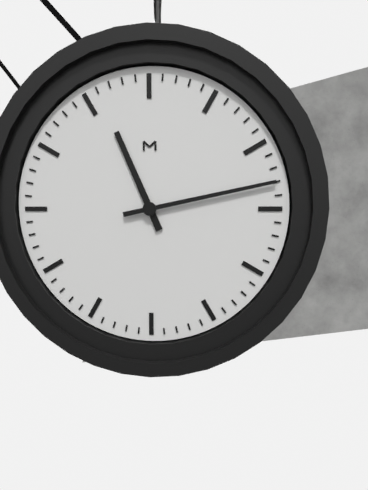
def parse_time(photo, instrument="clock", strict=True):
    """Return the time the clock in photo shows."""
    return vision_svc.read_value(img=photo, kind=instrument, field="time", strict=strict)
11:13
